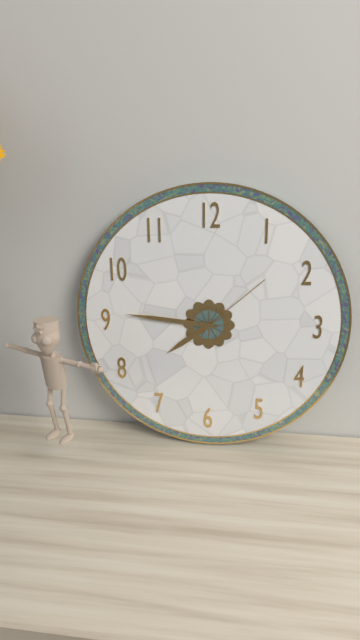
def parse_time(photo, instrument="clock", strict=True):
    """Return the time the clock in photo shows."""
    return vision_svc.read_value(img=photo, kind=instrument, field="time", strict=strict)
7:46:08
